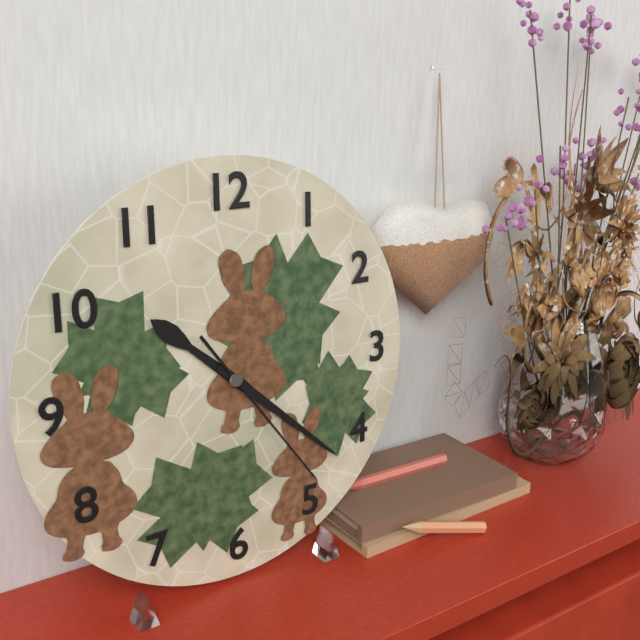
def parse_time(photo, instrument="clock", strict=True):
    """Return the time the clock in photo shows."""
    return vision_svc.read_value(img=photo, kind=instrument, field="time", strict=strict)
10:22:24
